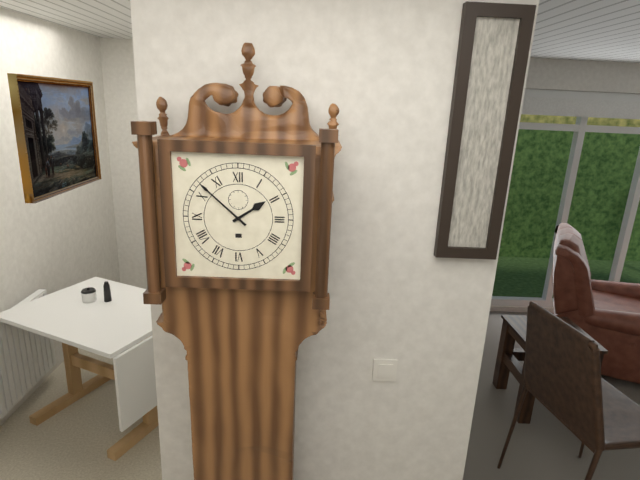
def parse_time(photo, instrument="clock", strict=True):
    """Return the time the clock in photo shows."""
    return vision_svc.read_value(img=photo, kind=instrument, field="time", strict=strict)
1:52
